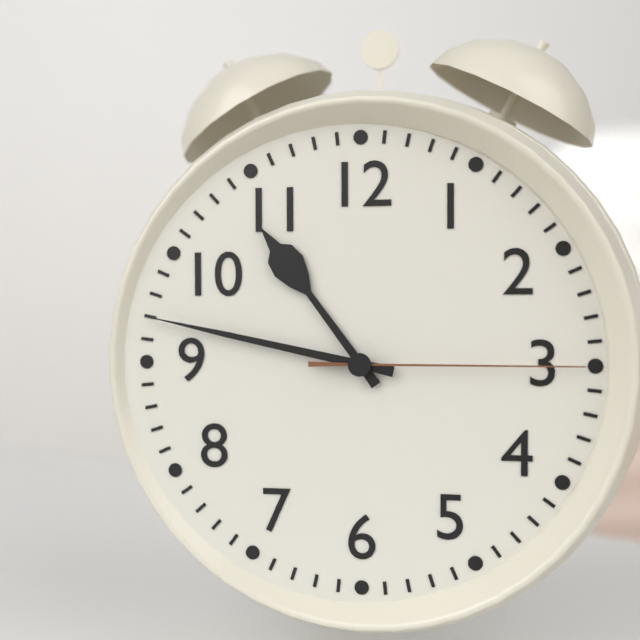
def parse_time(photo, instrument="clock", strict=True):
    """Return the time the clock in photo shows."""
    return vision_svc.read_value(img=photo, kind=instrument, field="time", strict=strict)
10:47:15
